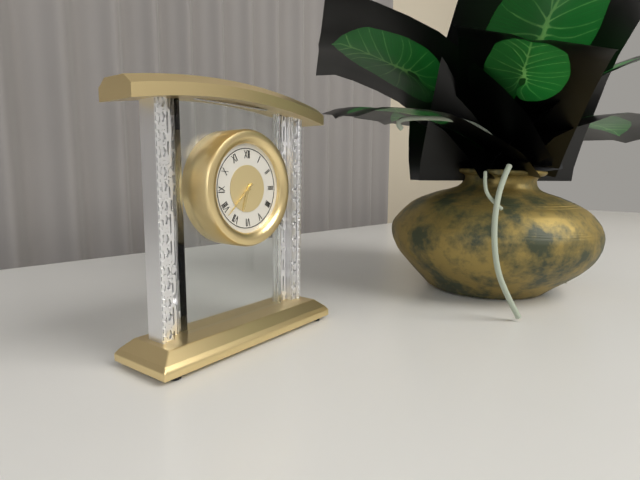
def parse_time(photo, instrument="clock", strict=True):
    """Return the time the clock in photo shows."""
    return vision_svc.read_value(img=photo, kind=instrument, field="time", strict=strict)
6:38
